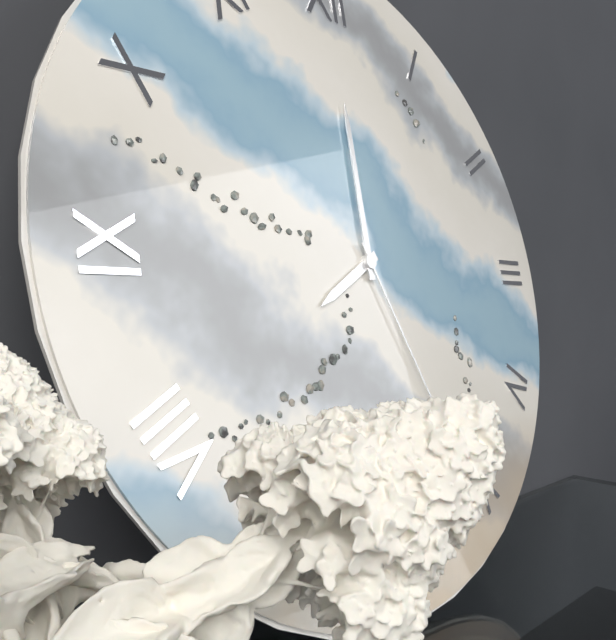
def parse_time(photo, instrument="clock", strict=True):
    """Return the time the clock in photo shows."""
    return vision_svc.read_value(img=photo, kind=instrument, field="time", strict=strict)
8:00:26
